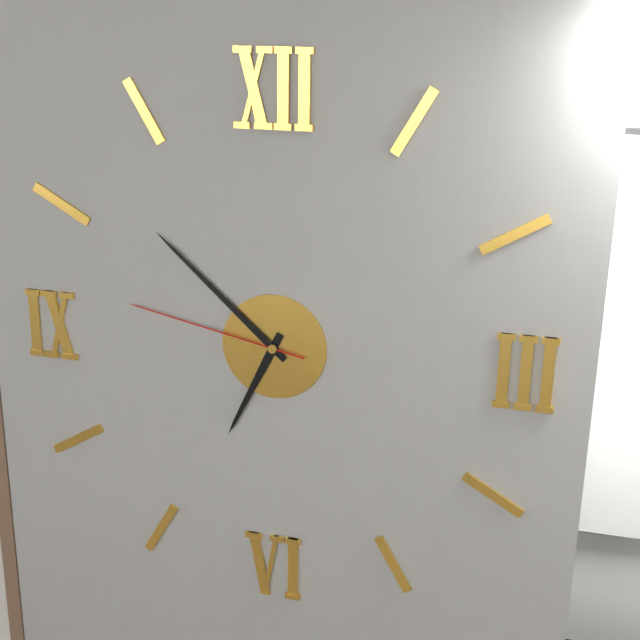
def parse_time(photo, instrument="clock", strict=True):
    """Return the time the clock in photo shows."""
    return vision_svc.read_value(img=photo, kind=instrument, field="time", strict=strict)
6:52:47
